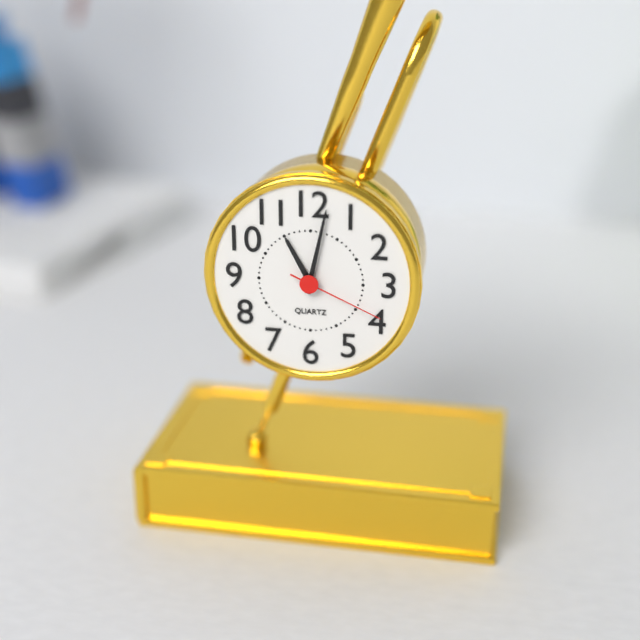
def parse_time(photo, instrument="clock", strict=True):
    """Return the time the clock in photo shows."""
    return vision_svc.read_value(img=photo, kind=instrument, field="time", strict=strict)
11:02:19
